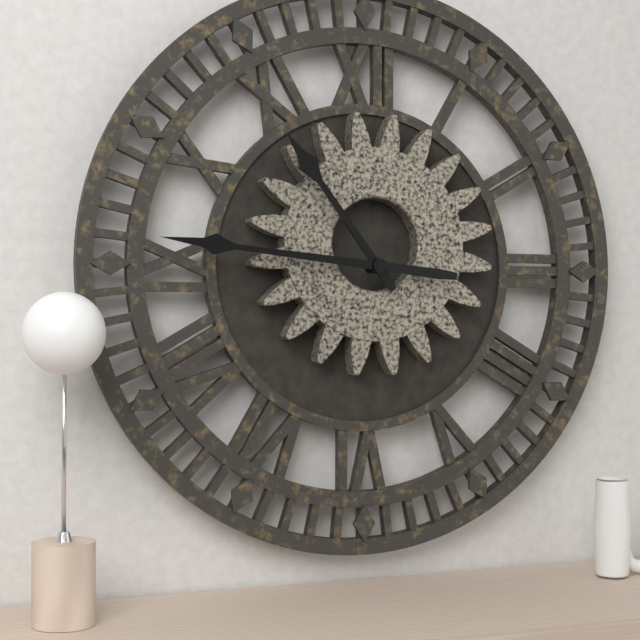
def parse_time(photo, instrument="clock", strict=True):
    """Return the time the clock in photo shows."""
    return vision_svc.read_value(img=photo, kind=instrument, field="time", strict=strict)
10:46
